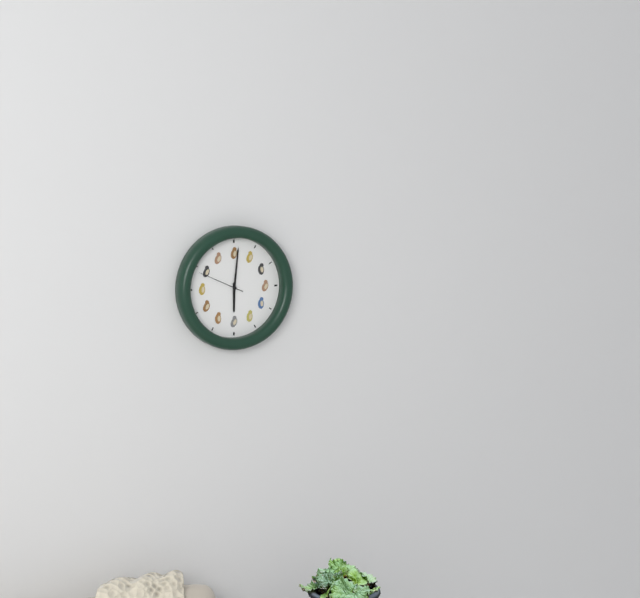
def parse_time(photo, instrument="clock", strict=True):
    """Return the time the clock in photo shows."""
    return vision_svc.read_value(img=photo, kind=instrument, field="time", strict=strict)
6:01
